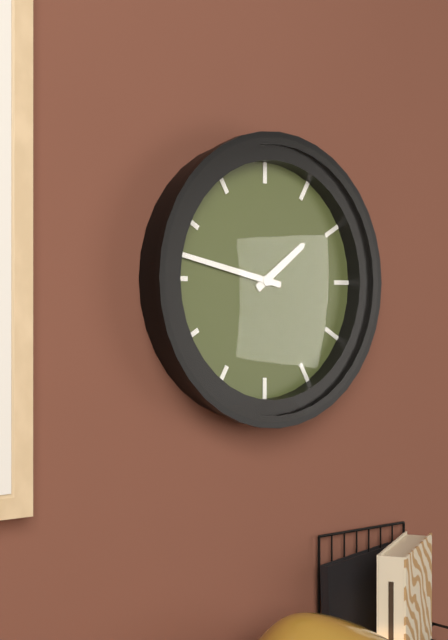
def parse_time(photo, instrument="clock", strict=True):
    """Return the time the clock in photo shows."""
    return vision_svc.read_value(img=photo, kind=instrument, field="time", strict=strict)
1:47
